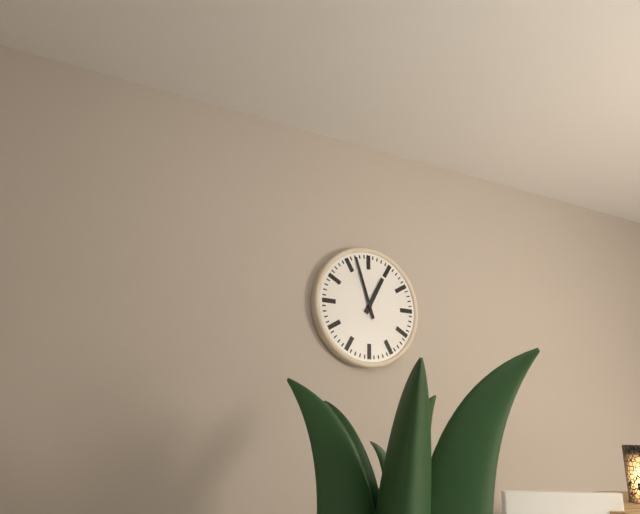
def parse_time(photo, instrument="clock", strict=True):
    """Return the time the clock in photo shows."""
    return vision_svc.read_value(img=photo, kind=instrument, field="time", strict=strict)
12:57
